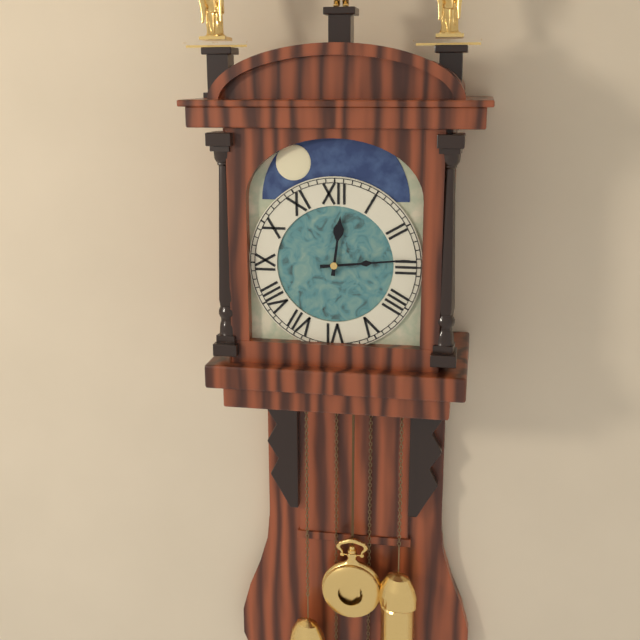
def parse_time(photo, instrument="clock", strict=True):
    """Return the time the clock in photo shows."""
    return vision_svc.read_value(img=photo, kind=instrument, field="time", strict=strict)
12:14
